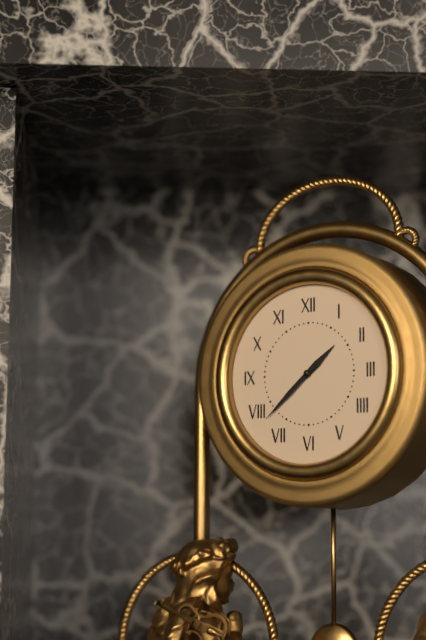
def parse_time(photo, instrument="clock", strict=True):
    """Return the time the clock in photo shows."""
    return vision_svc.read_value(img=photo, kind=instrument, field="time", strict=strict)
1:38
